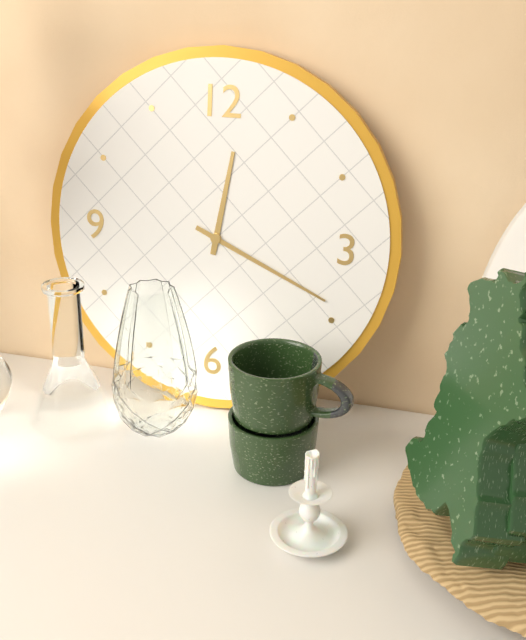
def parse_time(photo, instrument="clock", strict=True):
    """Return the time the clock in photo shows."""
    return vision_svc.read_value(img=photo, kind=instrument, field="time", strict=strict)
12:19
